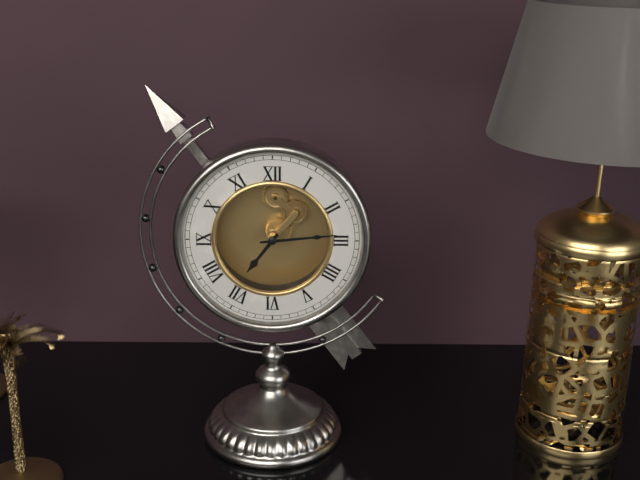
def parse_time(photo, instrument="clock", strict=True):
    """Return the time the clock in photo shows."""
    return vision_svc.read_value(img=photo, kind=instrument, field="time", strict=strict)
7:14
